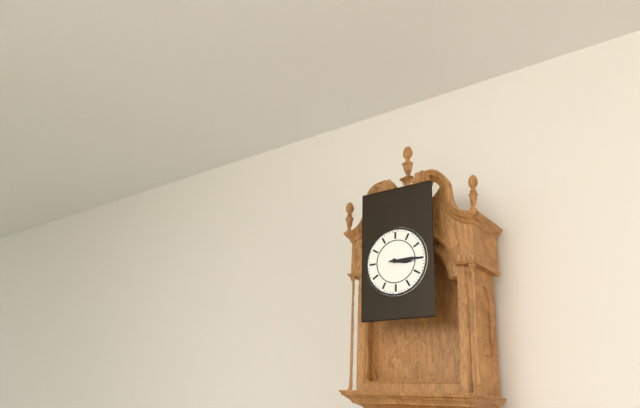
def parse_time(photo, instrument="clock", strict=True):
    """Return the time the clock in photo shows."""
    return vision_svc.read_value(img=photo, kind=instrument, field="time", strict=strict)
3:15
